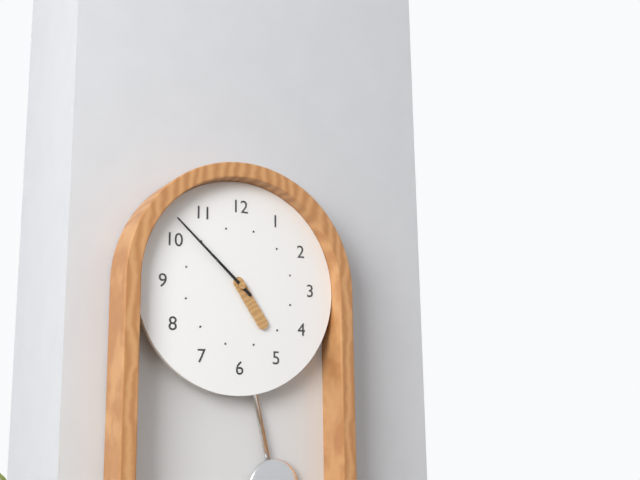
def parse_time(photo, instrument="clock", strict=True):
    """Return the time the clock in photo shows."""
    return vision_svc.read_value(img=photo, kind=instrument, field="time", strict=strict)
4:52
